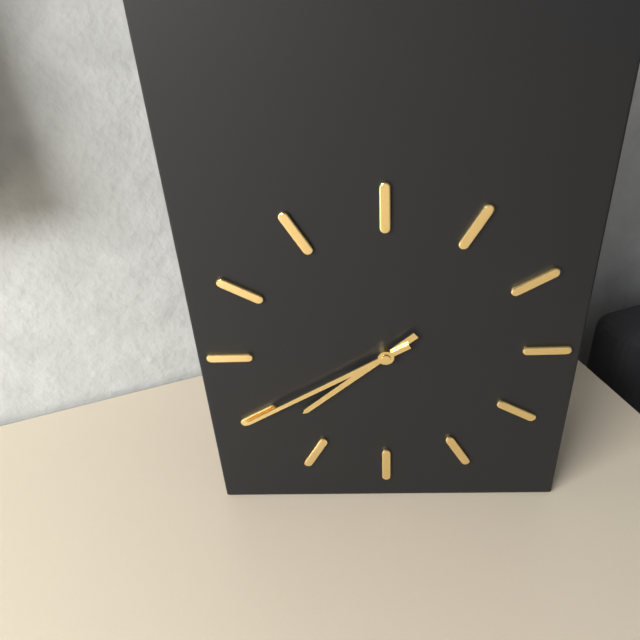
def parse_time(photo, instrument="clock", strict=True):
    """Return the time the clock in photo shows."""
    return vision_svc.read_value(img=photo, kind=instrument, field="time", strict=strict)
7:40
